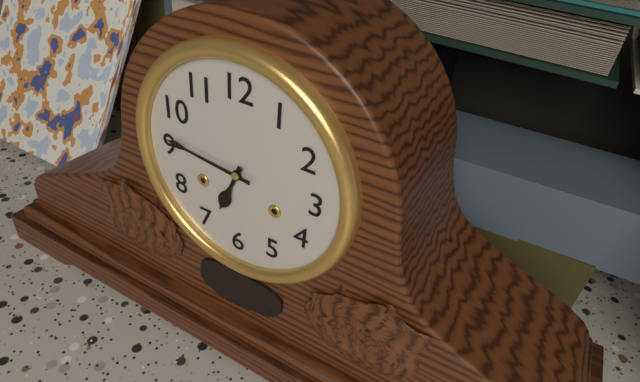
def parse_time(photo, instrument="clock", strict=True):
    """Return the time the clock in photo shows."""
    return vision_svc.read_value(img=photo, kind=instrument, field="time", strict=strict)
6:46
